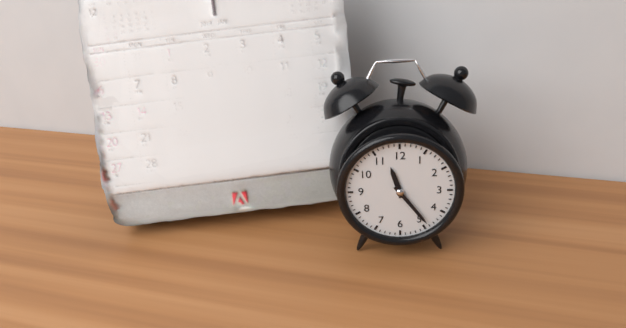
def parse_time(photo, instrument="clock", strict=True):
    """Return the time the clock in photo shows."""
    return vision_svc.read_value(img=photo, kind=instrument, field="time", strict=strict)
11:24
